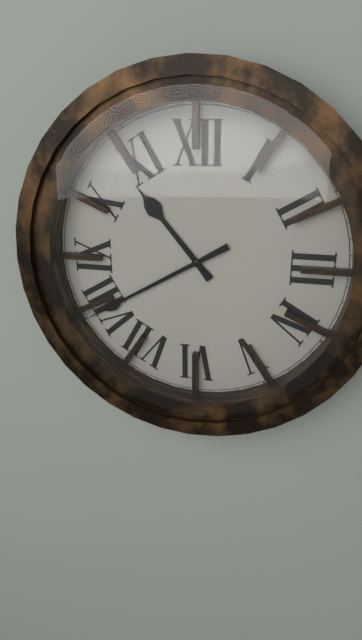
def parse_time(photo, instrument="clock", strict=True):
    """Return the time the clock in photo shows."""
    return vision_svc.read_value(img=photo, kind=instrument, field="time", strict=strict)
10:40
